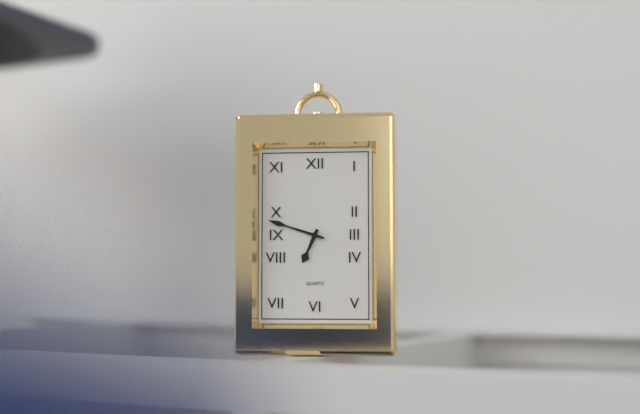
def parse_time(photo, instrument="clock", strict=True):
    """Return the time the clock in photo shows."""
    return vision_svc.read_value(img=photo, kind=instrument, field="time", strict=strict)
6:48
